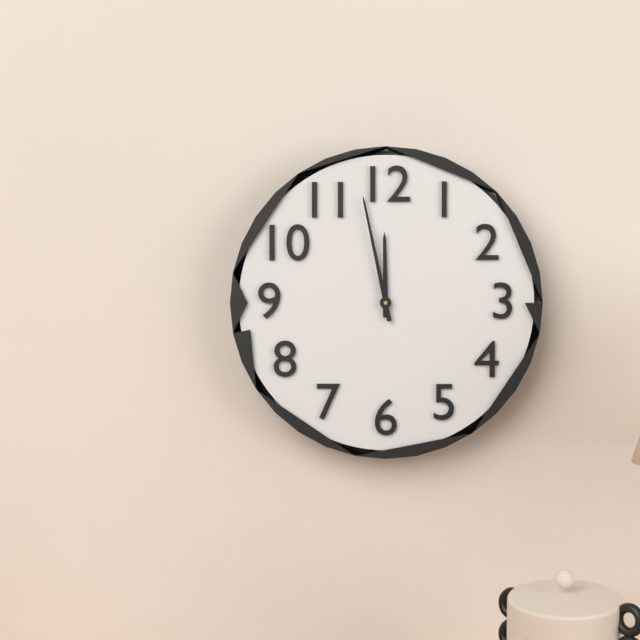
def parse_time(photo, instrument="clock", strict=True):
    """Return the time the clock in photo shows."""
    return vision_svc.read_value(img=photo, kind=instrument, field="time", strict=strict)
11:58
